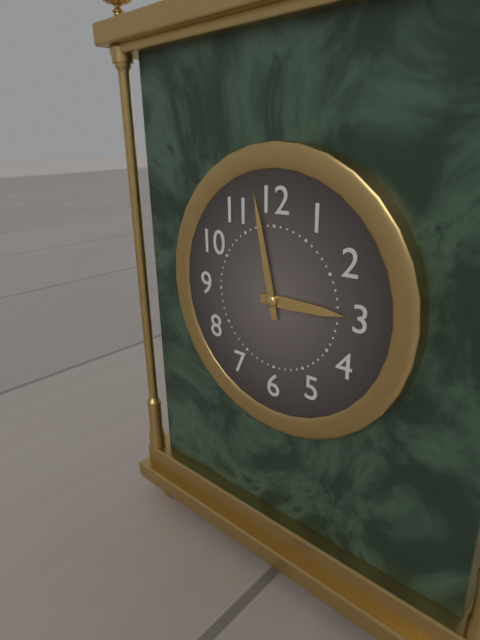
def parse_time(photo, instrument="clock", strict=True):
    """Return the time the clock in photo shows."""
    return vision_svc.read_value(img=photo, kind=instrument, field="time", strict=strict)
2:58
